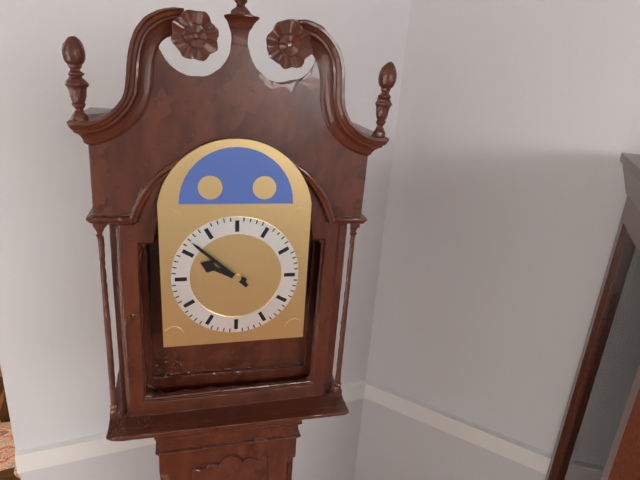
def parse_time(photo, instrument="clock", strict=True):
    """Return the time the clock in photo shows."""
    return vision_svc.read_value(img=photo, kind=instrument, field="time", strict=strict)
9:52
